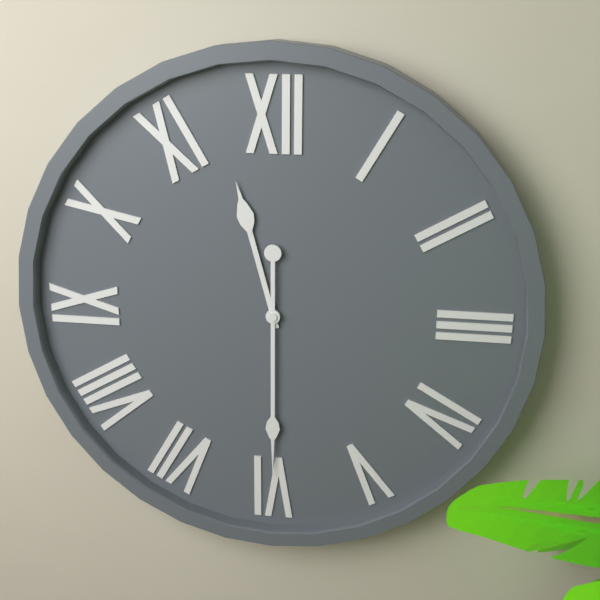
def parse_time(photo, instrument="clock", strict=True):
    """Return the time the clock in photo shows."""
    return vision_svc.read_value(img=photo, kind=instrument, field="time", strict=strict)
11:30
